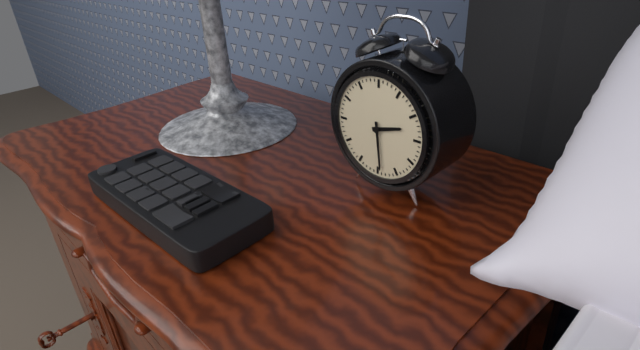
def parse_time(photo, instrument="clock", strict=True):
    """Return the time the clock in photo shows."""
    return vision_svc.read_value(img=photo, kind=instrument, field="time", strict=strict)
2:29
